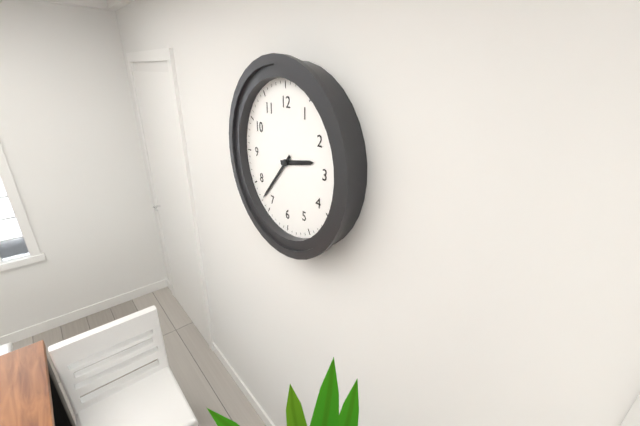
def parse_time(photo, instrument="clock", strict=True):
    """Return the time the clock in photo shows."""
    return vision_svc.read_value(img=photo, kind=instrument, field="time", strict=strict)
2:37
